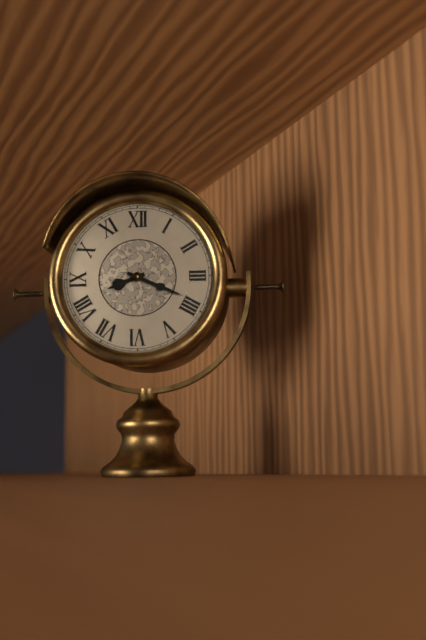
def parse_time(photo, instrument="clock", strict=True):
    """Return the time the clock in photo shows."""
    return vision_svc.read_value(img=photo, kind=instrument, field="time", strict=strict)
8:19
